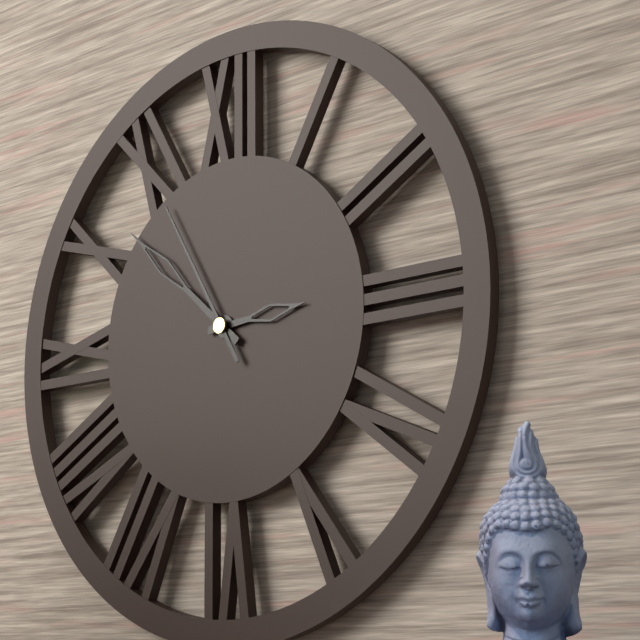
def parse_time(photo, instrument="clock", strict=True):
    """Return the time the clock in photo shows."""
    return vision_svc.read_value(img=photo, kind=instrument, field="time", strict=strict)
2:52:55
